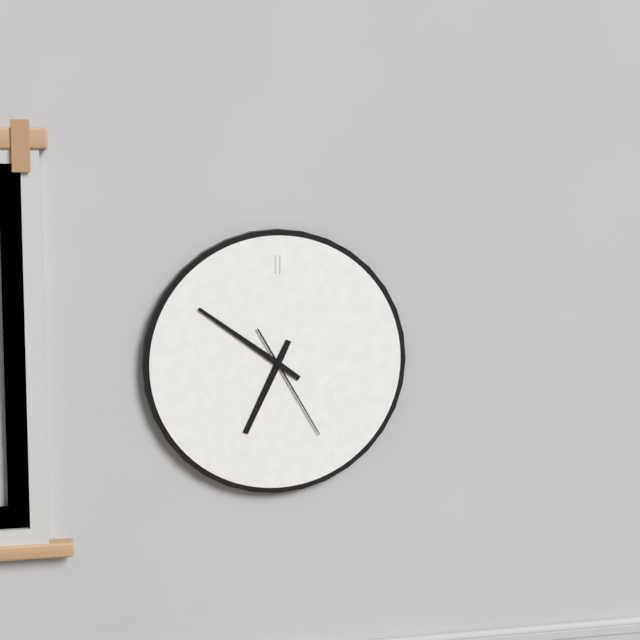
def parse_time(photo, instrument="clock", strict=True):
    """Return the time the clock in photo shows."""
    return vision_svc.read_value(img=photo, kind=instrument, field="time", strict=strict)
6:51:25
